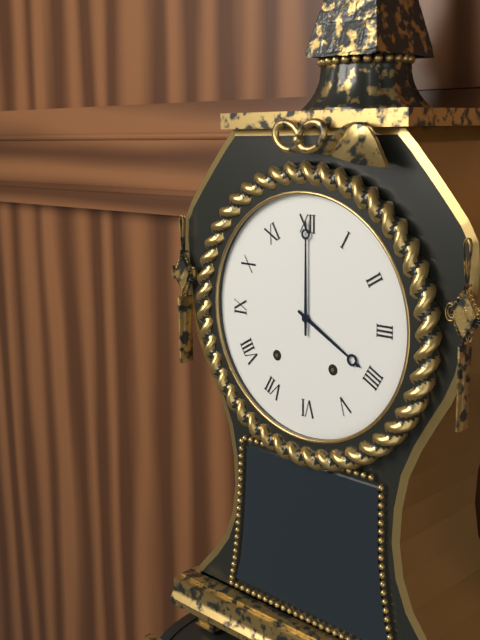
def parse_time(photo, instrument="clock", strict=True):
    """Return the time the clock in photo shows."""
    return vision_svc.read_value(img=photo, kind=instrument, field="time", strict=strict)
4:00
